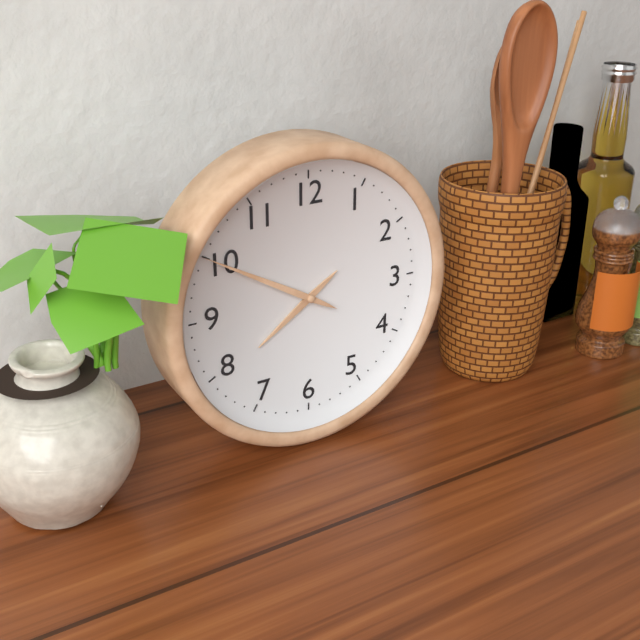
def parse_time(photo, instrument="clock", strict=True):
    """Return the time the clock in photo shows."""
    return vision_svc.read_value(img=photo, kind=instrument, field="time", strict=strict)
7:50
